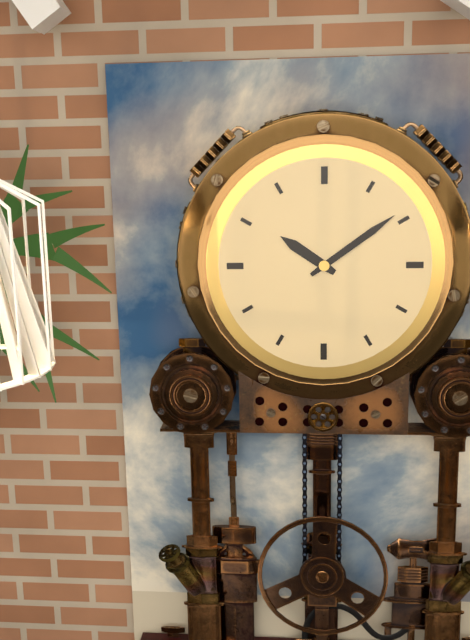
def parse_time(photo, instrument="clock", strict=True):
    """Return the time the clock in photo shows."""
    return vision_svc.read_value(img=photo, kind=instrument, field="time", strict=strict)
10:09
